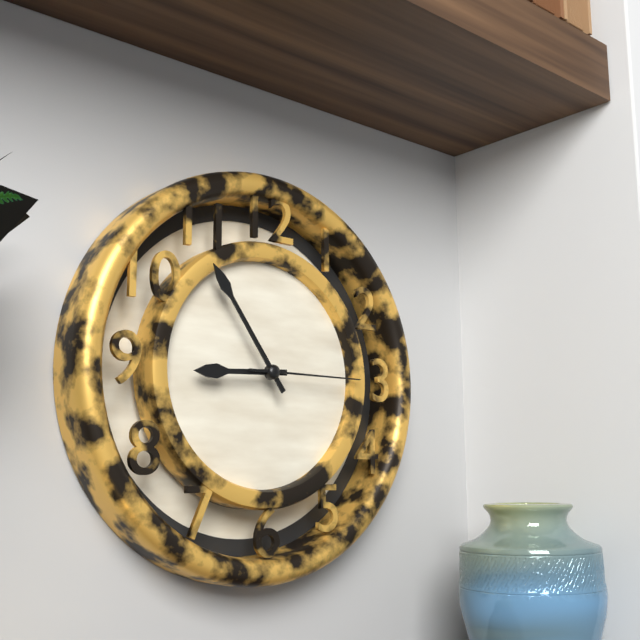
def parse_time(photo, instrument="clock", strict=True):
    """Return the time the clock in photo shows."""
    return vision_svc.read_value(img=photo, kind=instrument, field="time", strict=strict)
8:54:15
